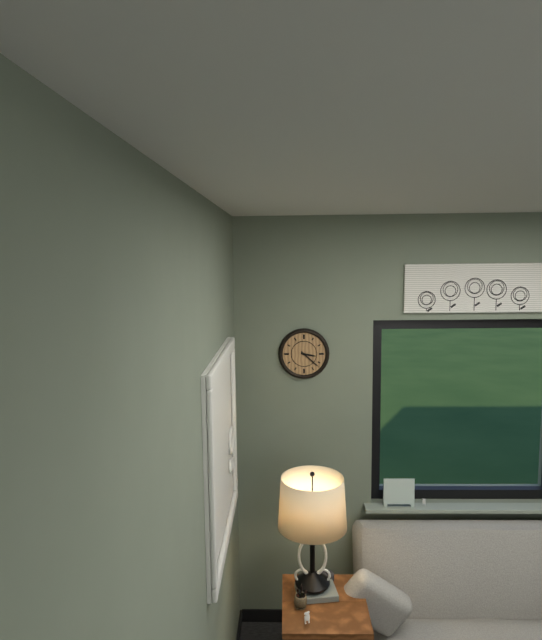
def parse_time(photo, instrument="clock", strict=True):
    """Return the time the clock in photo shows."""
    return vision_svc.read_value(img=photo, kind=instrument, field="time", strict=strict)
3:22
